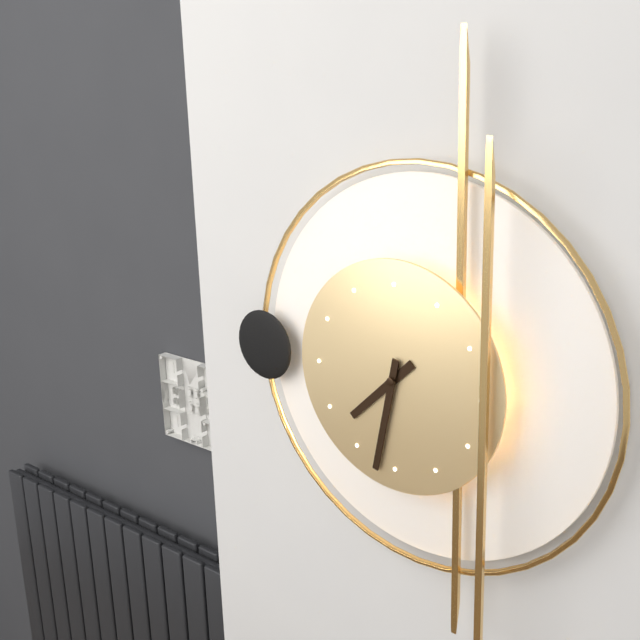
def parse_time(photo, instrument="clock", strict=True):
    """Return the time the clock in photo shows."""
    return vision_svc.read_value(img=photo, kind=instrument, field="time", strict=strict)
7:32
